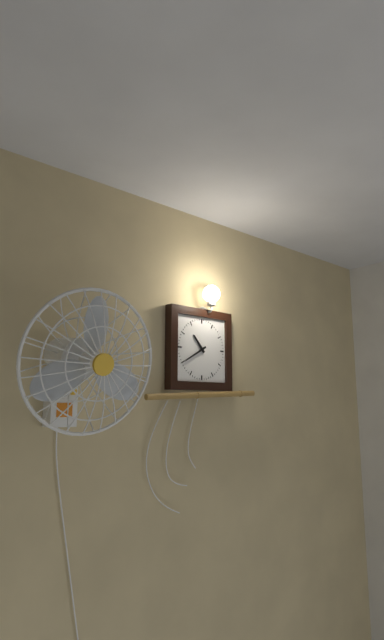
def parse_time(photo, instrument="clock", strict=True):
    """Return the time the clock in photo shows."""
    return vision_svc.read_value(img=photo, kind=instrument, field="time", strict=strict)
10:40
